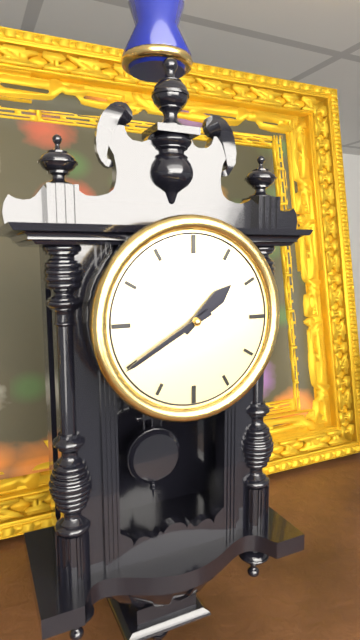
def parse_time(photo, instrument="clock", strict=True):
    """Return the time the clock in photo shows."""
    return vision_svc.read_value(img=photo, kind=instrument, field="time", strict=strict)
1:40
